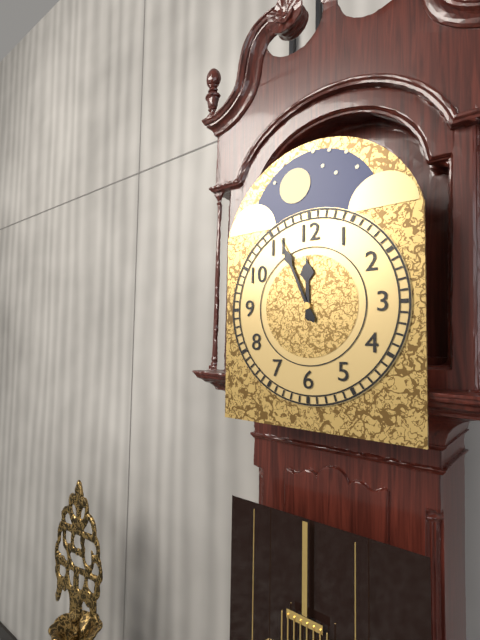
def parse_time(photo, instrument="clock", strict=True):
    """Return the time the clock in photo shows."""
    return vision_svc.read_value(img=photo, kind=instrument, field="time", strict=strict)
11:56
